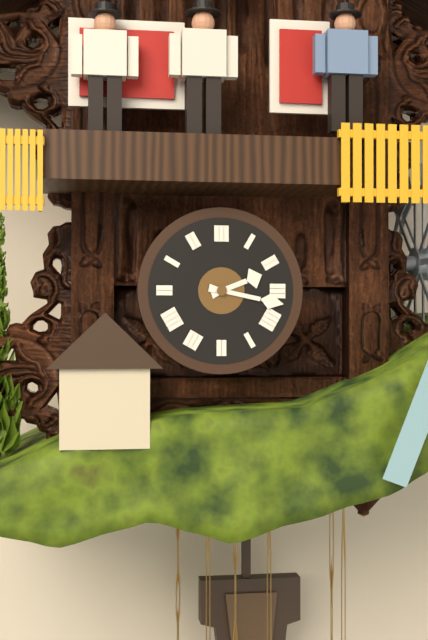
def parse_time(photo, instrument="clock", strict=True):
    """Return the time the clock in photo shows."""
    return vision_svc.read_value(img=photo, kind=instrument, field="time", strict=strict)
2:17
